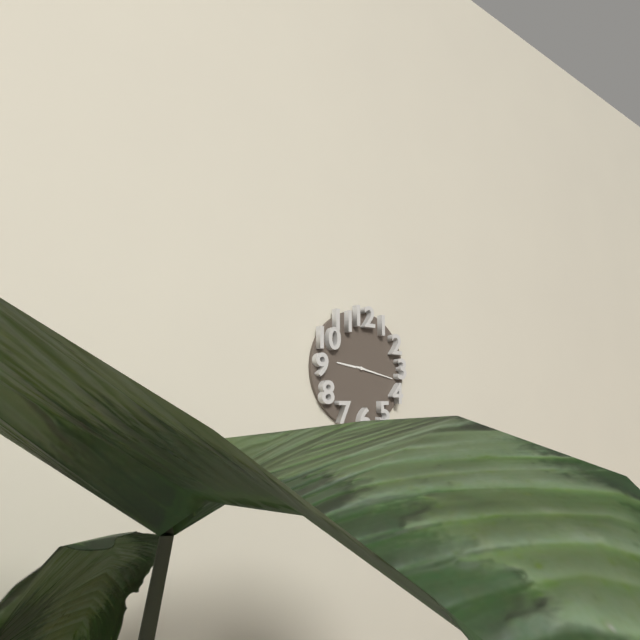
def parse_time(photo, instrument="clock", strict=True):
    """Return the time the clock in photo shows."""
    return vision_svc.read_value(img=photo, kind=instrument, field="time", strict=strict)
9:17
